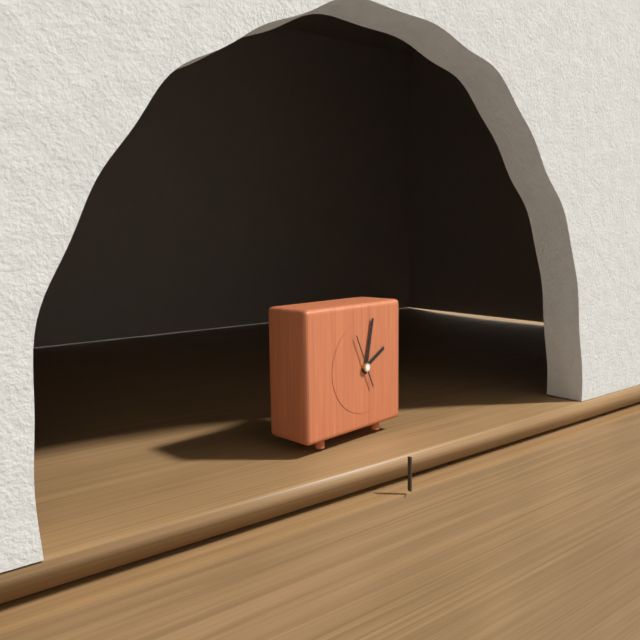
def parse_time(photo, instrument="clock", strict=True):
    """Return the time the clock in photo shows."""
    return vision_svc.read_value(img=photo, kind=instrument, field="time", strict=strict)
2:02
